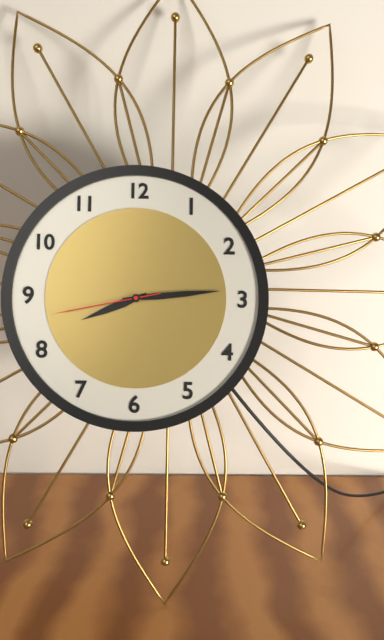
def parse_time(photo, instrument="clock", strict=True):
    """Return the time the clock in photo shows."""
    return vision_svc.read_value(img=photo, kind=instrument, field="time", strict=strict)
8:14:43
